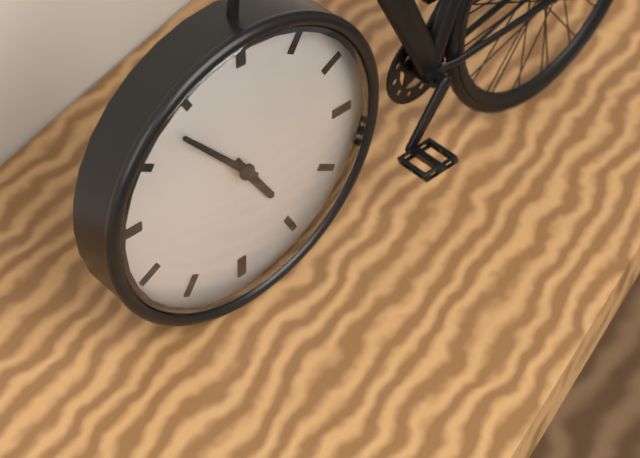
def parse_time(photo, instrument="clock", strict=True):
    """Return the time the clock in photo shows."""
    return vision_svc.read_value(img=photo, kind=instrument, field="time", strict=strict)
4:53
